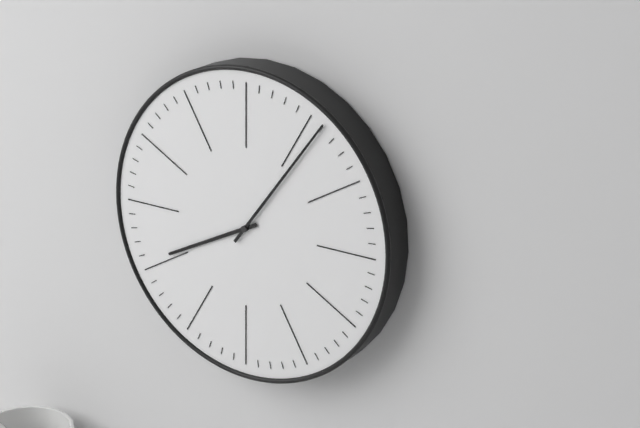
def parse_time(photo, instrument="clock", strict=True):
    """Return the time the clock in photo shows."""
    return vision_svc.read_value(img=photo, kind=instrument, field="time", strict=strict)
8:06
